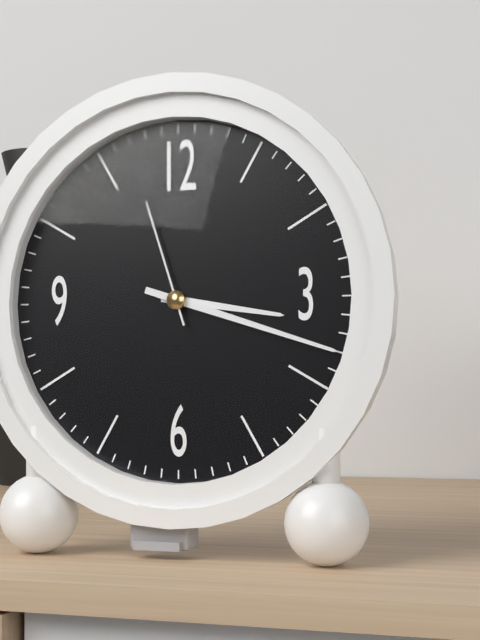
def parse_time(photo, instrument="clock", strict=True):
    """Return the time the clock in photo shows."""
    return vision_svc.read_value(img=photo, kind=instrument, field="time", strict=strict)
3:18:57
